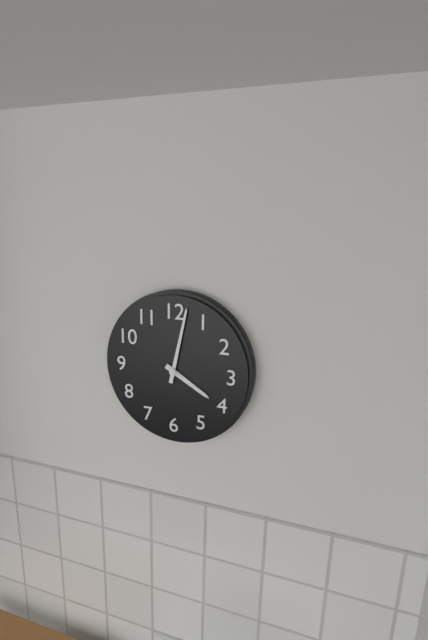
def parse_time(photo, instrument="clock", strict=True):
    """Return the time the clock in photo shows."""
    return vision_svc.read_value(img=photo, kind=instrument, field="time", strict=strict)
4:02
